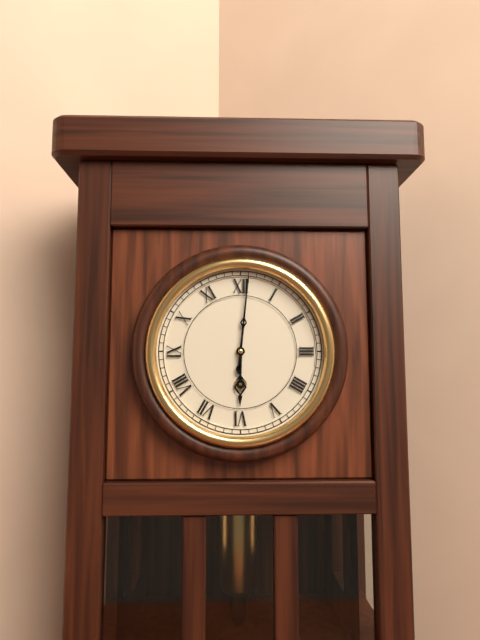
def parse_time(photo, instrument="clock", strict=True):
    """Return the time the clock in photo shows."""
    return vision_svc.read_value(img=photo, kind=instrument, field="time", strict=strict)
6:01
